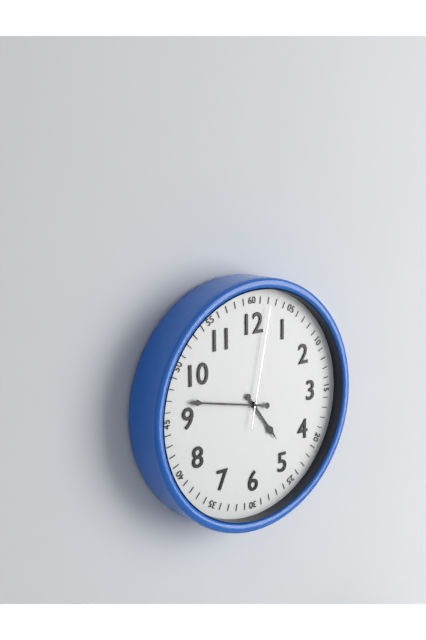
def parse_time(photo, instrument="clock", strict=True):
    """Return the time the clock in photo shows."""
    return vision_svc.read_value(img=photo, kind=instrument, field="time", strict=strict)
4:47:02
